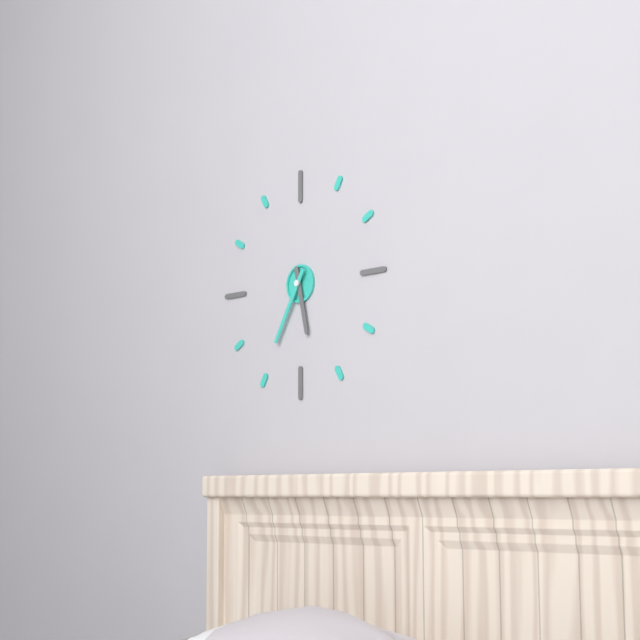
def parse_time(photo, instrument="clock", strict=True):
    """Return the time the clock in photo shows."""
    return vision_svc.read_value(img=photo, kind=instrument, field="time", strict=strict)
5:35
